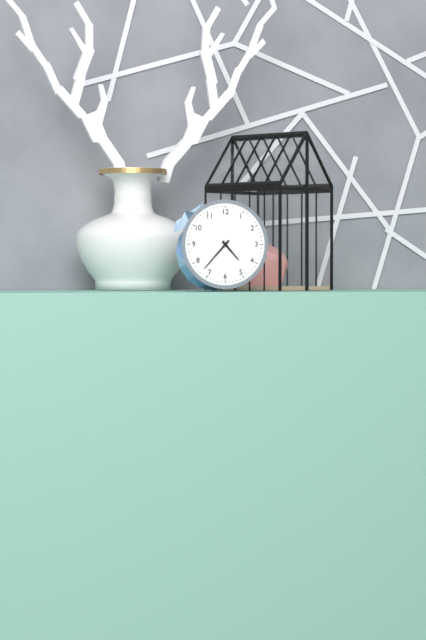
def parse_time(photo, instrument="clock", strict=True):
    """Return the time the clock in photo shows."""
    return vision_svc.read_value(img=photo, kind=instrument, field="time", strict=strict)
4:37
